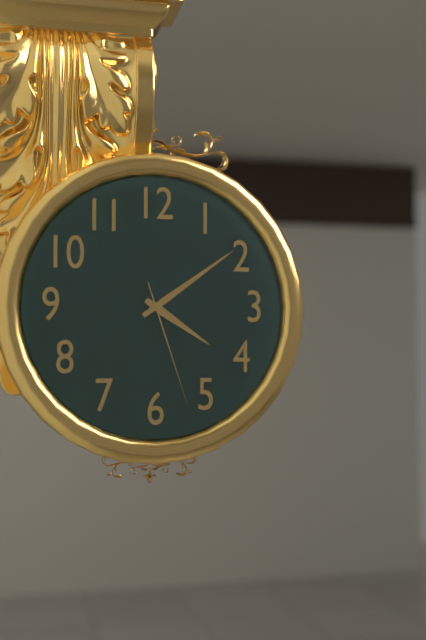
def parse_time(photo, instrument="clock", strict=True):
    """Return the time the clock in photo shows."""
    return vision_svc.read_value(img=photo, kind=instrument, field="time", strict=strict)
4:09:27
